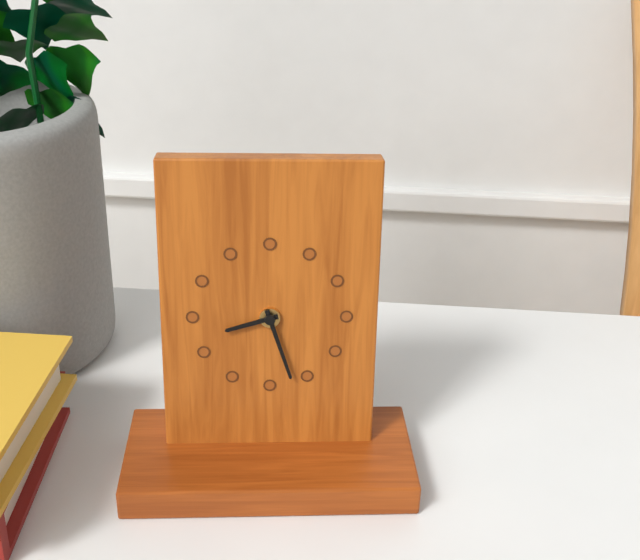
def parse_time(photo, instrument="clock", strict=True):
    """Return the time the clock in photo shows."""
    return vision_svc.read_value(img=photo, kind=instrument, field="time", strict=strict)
8:27
